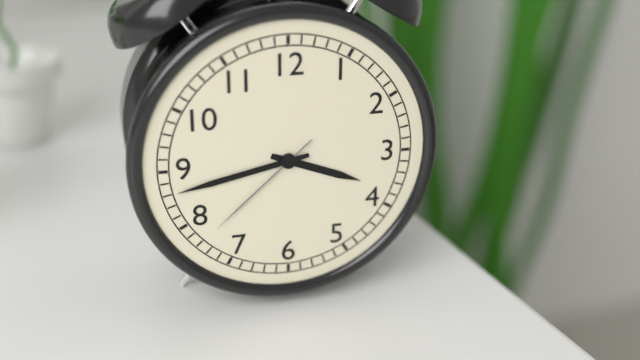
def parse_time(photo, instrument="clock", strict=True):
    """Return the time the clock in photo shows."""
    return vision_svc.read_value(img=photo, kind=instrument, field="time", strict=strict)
3:43:38
